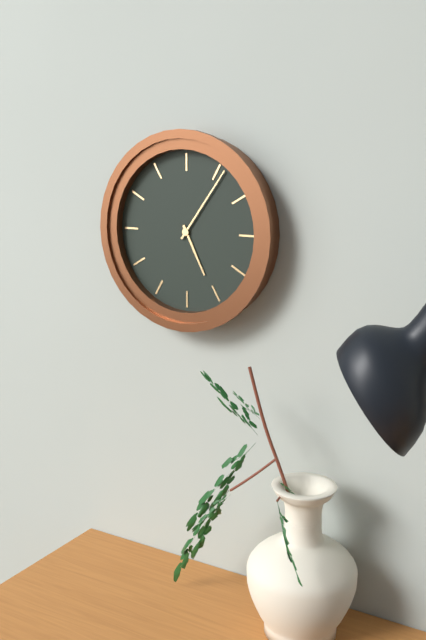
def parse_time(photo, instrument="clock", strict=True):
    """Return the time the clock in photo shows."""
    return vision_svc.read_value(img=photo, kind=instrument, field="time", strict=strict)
5:06
